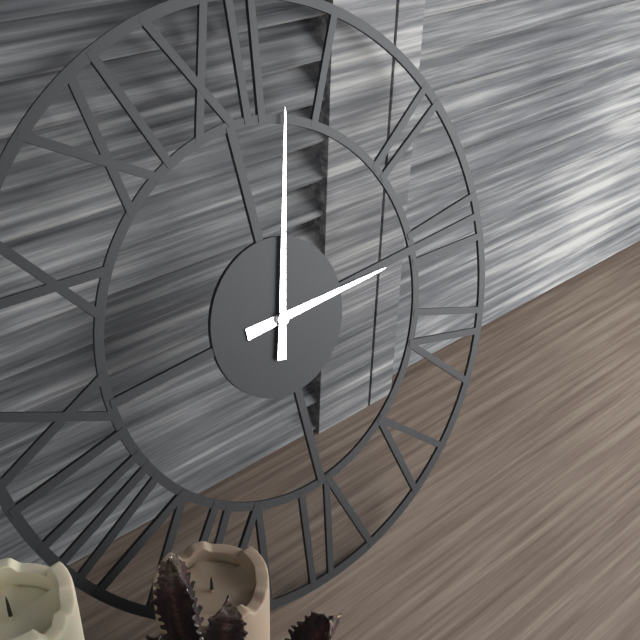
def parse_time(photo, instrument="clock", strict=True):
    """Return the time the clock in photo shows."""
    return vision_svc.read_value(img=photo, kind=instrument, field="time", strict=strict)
3:03
